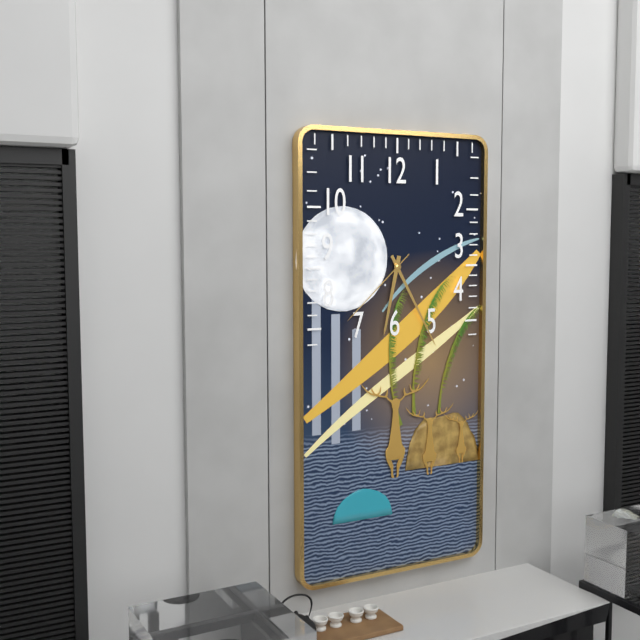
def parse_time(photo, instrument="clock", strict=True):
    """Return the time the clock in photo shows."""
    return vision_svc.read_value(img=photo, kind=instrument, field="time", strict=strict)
6:25:38
